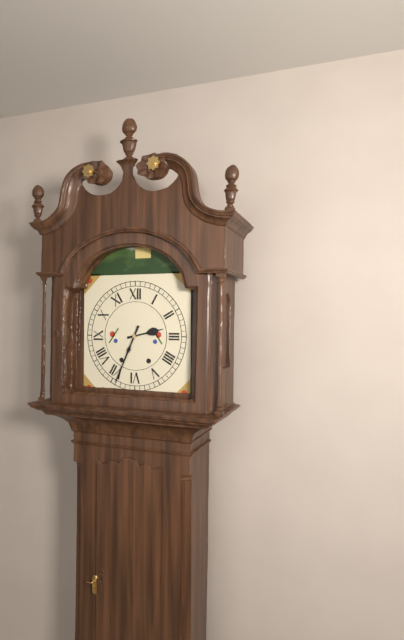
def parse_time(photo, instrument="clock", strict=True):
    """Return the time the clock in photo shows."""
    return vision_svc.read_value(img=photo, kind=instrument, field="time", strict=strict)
2:34
